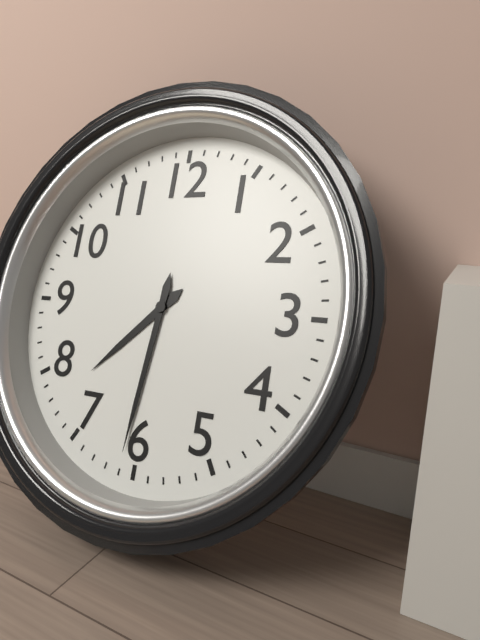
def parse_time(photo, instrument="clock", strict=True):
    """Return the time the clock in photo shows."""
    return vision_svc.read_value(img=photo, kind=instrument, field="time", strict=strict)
7:31
